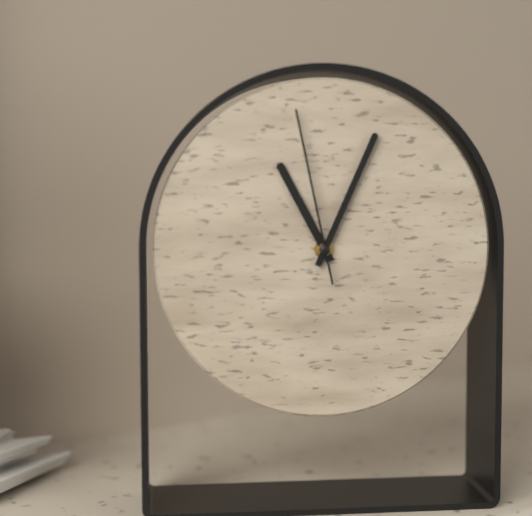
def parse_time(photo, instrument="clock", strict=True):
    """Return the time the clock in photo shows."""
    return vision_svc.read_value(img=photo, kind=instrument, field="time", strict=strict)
11:04:58
